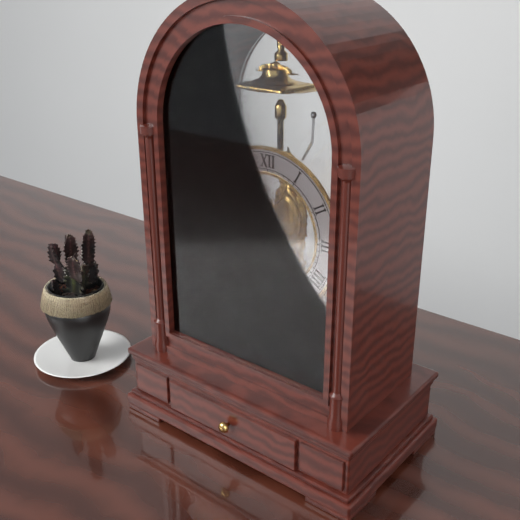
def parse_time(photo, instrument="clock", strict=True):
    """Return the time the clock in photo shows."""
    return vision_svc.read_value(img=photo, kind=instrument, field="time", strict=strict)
6:50
